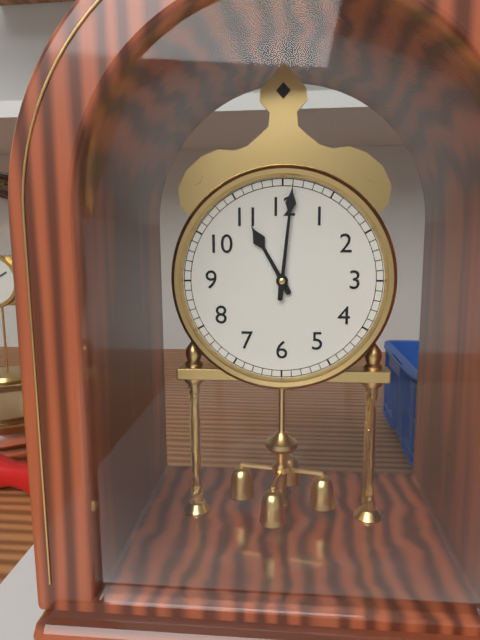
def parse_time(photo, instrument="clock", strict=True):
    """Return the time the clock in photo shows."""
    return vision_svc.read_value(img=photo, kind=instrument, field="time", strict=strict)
11:01
